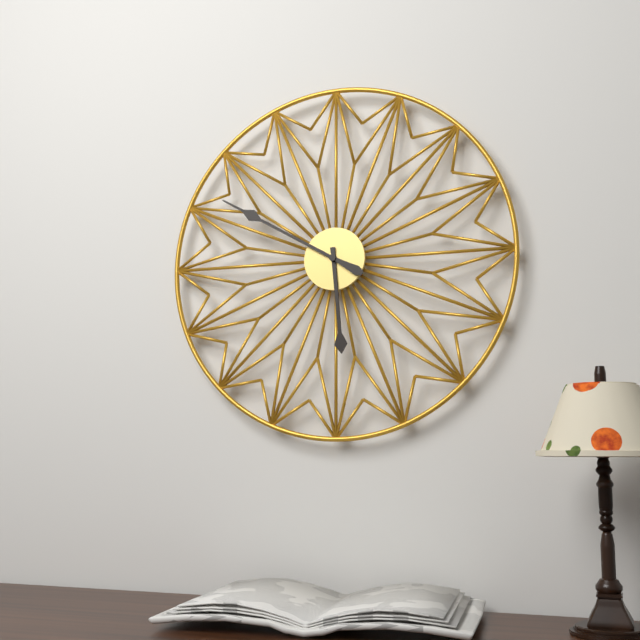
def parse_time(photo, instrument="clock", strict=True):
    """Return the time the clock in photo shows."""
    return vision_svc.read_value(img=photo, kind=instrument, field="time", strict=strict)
5:50
